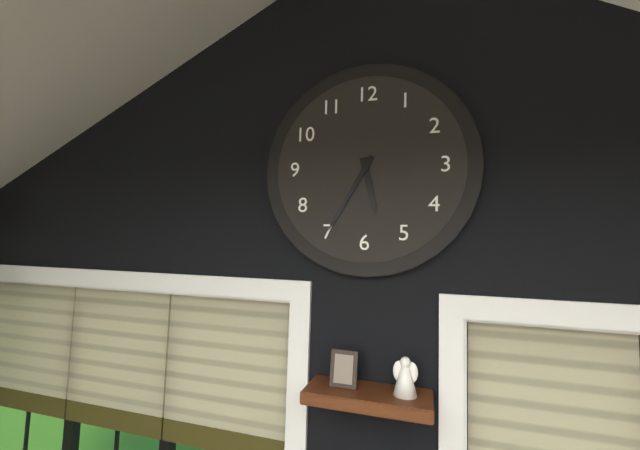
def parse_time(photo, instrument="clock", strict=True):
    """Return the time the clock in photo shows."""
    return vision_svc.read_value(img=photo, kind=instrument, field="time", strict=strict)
5:35
